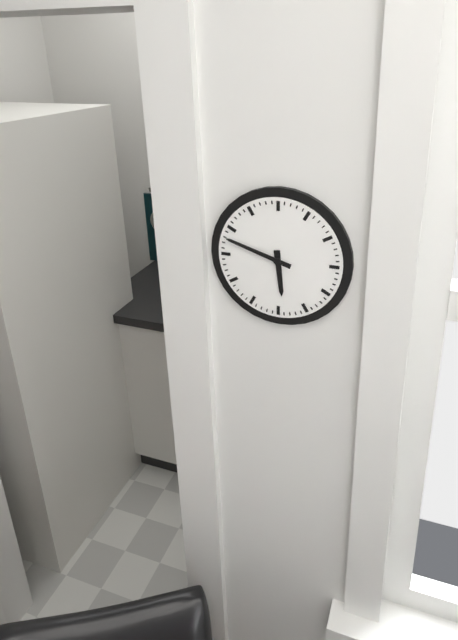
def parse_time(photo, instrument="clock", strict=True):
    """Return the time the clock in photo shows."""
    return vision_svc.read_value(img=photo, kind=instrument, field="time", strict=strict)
5:48
